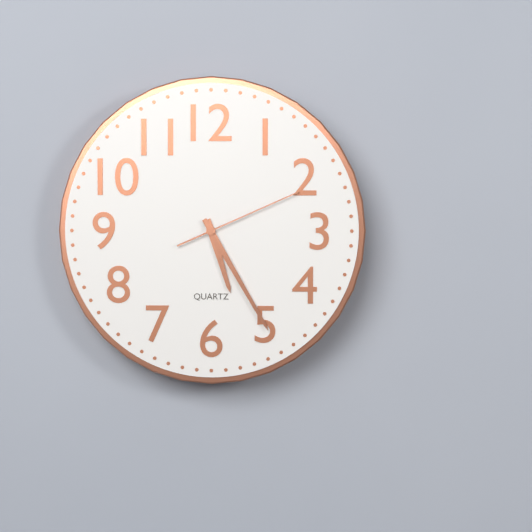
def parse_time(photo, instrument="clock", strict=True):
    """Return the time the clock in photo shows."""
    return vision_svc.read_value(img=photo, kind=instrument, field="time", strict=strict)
5:25:11
